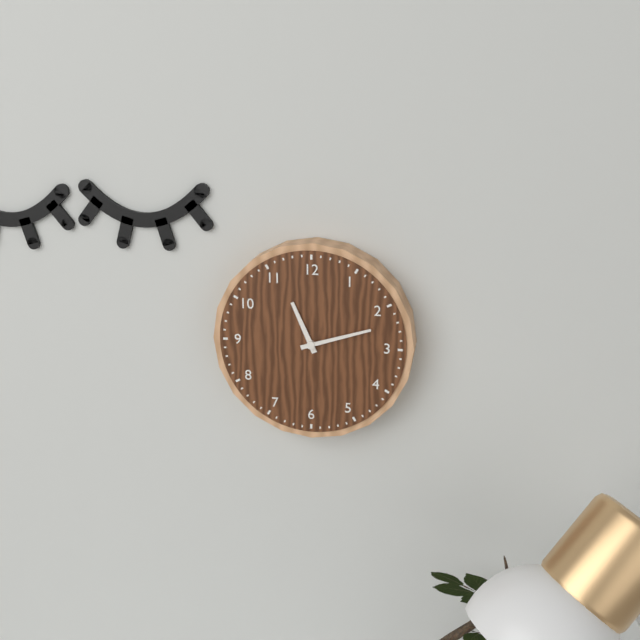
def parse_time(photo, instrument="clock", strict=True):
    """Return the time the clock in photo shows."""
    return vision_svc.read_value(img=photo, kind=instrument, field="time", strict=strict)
11:12
